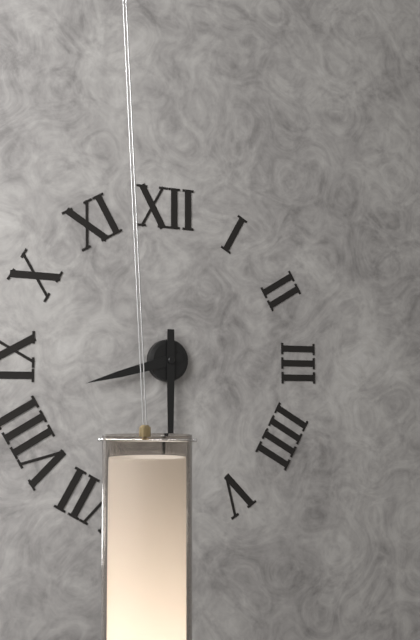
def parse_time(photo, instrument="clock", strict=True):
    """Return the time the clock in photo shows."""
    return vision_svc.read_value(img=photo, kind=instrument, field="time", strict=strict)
8:30
